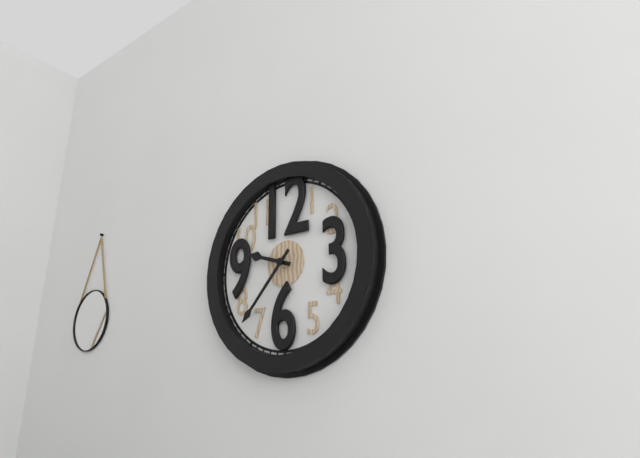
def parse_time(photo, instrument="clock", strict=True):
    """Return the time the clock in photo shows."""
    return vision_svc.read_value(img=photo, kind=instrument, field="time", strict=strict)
9:37
